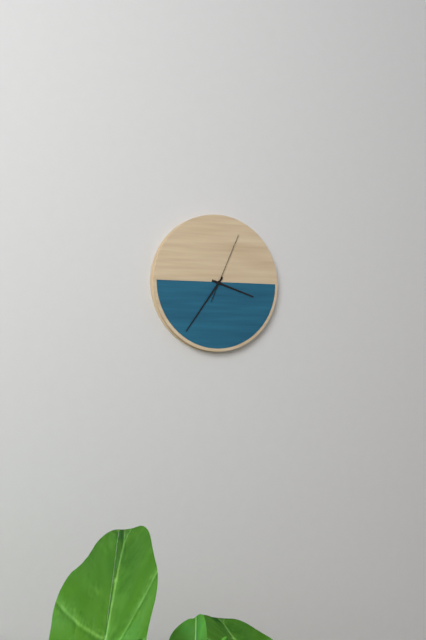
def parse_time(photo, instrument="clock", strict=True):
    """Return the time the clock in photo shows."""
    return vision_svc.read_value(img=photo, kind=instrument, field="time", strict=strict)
3:36:04
